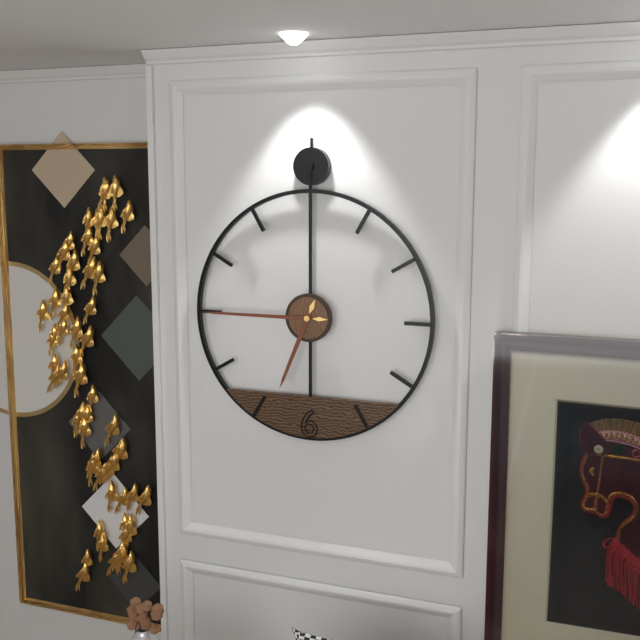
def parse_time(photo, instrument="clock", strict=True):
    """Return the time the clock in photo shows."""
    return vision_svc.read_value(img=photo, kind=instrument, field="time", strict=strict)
6:45
